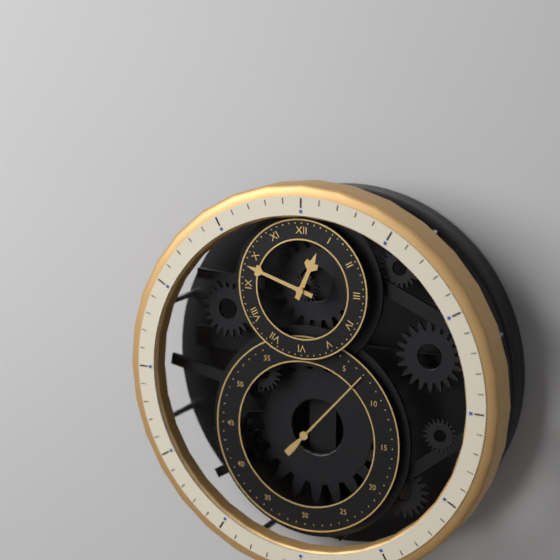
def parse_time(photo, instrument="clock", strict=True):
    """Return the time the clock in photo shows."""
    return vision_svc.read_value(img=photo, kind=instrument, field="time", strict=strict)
12:48:07
